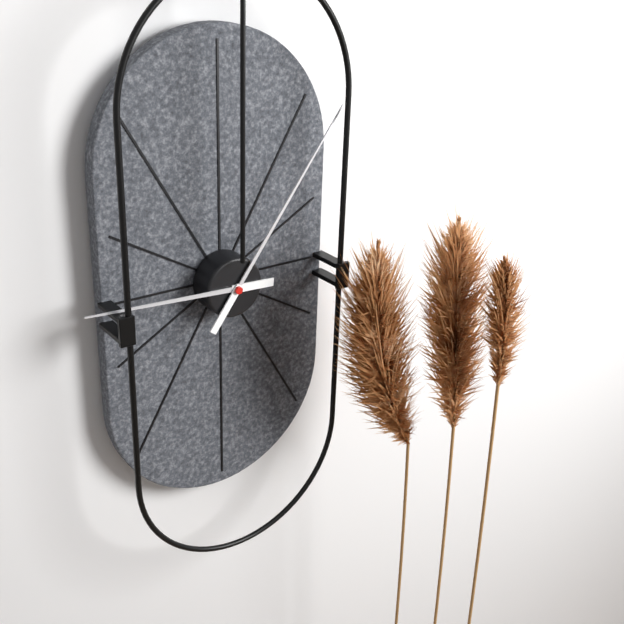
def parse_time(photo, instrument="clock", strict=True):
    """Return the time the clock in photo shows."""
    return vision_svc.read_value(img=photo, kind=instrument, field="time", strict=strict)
9:06
